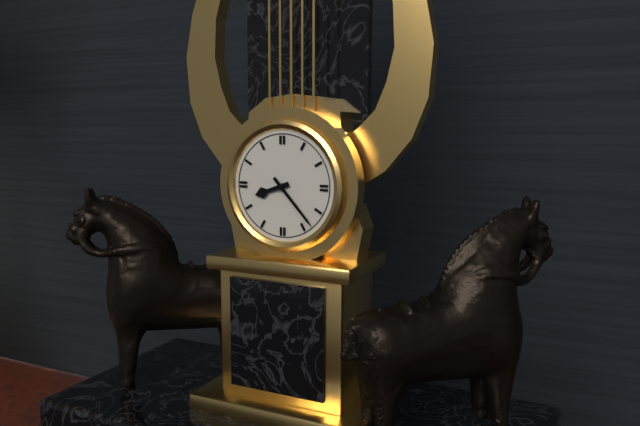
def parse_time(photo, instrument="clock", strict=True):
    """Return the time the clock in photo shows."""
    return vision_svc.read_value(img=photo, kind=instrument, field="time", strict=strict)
8:23
